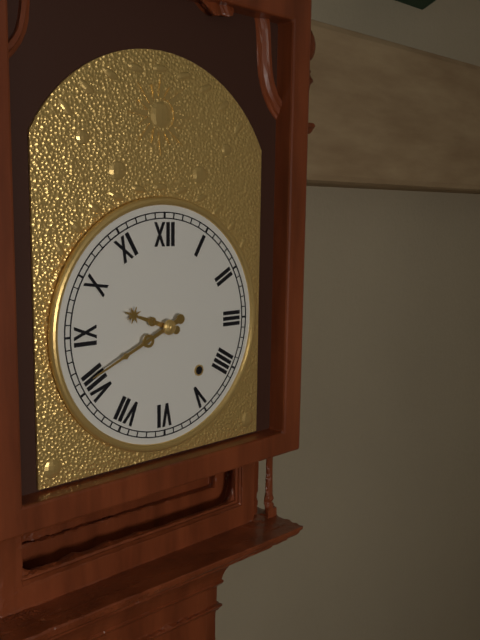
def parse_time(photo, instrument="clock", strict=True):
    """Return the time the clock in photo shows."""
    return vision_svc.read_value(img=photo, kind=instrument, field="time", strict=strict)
9:41
